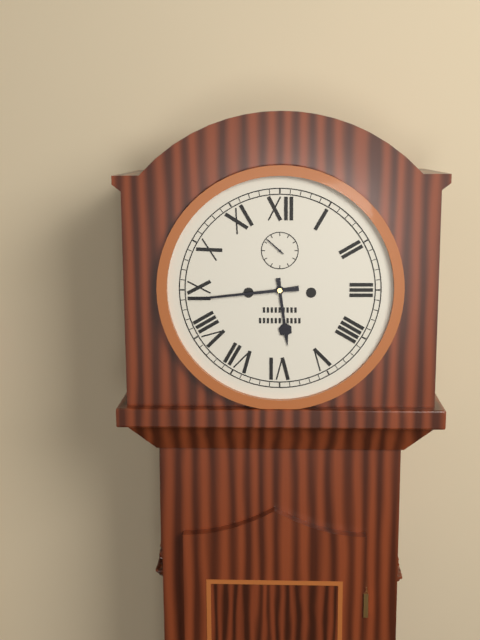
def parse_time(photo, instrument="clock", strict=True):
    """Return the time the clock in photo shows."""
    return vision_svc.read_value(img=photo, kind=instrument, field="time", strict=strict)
5:44
